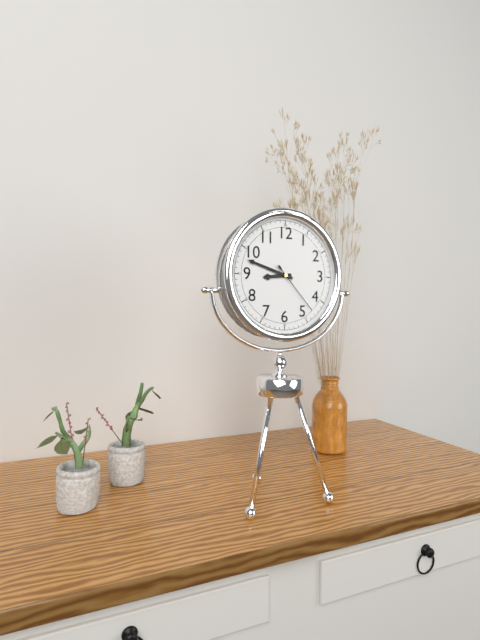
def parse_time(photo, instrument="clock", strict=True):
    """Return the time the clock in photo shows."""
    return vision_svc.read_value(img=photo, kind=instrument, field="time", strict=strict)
8:48:23
